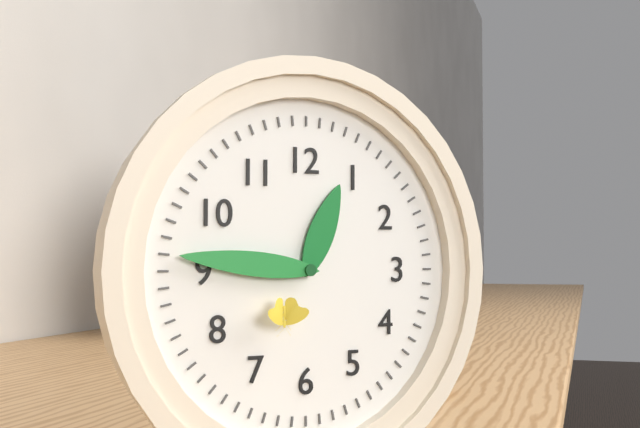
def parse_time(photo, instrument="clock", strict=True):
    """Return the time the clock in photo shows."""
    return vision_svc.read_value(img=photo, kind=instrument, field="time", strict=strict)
12:46
